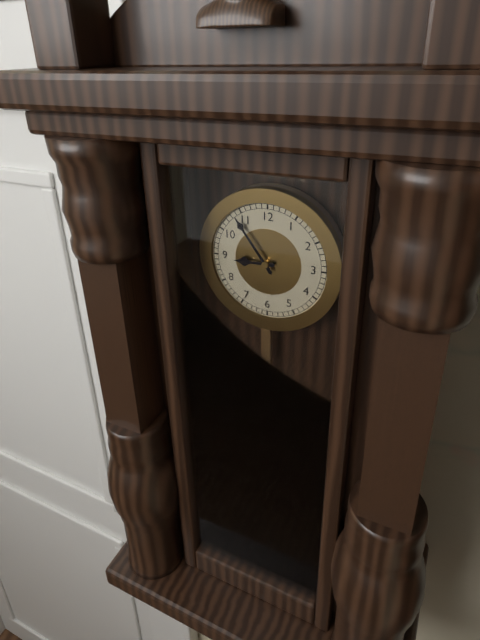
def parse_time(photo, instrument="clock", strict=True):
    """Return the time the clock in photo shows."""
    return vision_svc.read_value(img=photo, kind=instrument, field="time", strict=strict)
8:54
